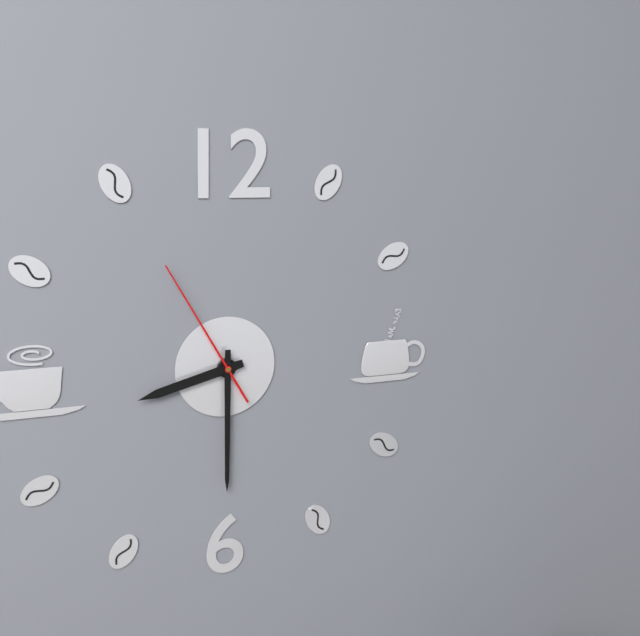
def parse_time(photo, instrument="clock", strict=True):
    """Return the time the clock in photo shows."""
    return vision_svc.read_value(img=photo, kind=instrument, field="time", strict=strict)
8:30:55
